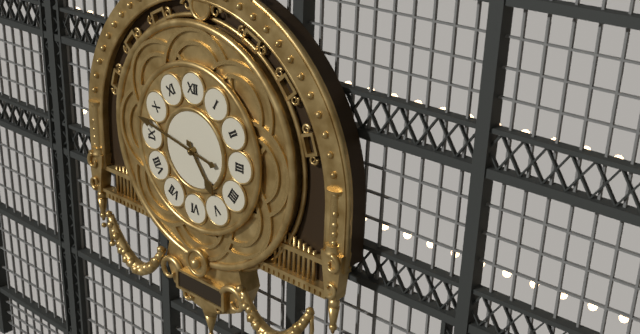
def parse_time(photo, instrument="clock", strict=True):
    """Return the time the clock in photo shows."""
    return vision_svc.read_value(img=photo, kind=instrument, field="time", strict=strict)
4:47
